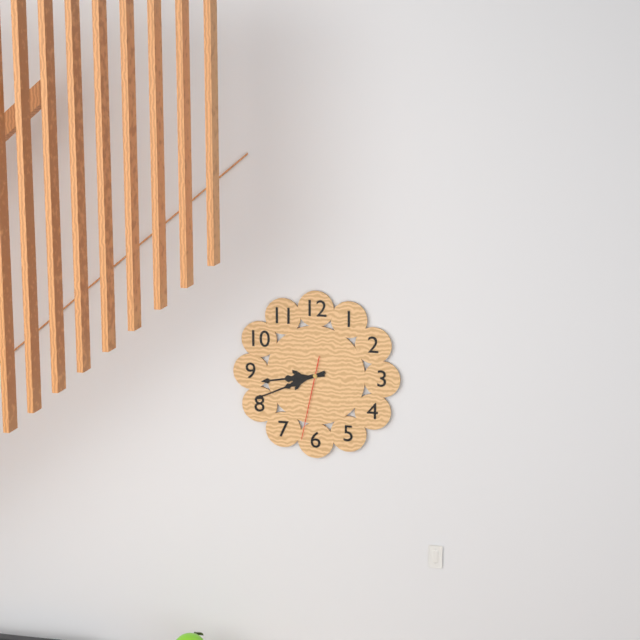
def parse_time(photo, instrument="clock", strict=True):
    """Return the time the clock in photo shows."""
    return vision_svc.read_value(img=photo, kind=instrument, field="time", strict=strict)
8:41:32
